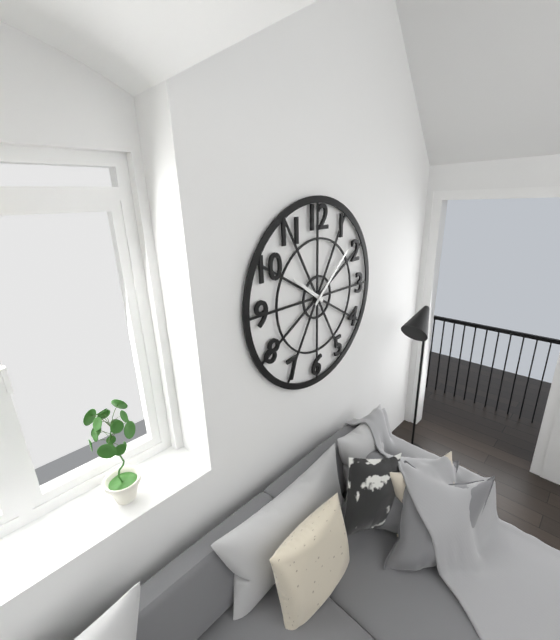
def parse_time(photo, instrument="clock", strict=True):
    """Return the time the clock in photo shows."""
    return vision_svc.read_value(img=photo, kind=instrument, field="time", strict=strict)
10:08
